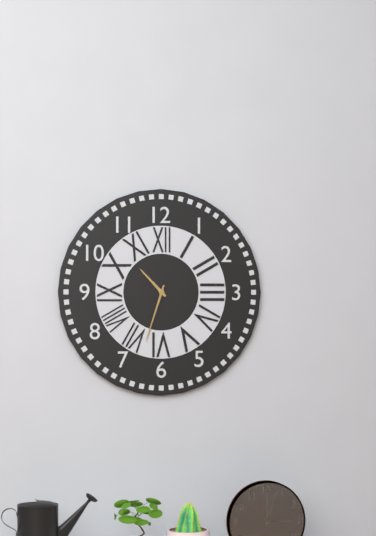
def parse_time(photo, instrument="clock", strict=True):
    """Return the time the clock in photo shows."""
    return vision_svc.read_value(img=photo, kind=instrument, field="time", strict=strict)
10:33
